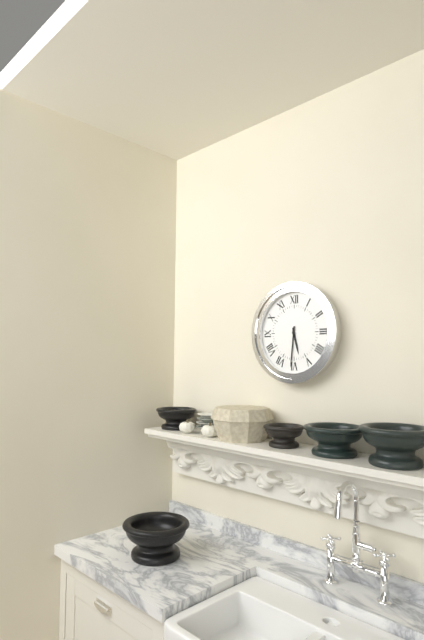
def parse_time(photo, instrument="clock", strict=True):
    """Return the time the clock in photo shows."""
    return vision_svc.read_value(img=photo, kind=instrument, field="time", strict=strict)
5:31
